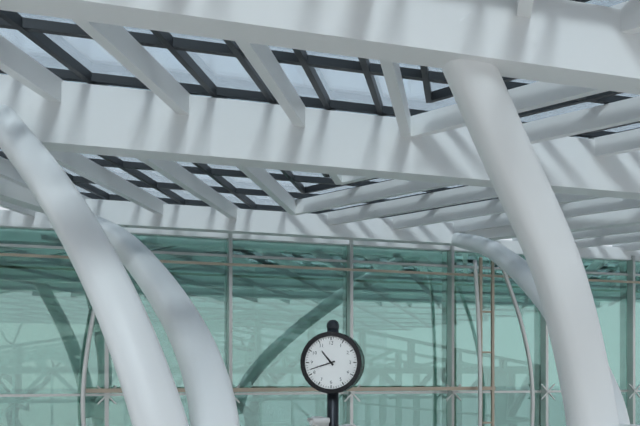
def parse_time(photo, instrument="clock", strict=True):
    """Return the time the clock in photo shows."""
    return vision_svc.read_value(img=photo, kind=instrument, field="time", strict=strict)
10:42
